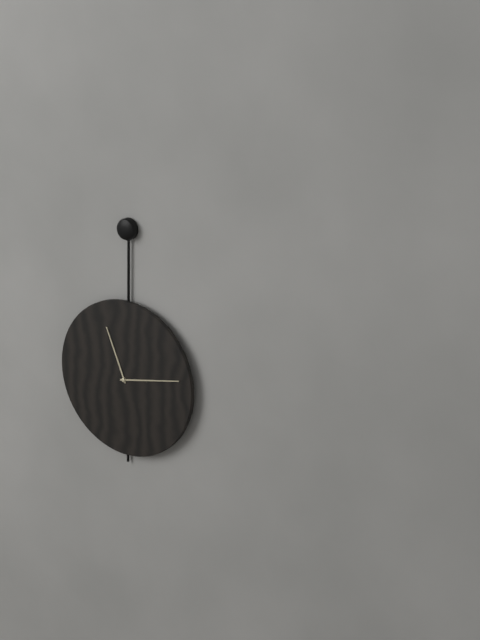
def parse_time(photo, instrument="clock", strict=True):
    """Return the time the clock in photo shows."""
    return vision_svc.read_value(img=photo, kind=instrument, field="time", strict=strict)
11:13
